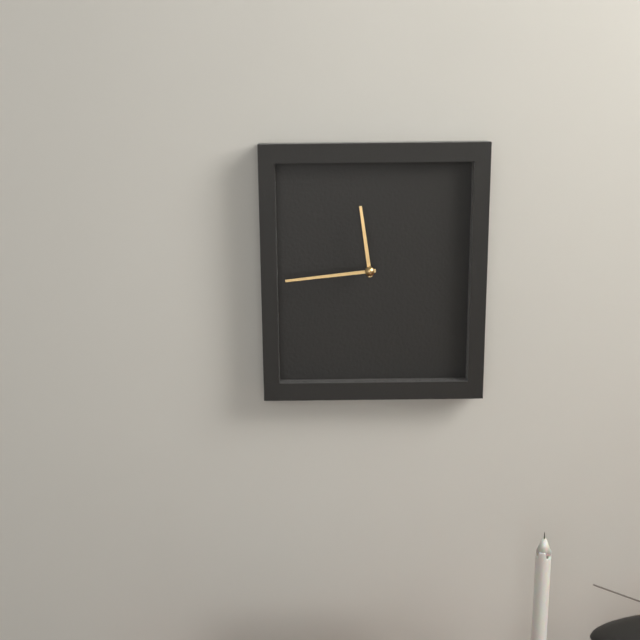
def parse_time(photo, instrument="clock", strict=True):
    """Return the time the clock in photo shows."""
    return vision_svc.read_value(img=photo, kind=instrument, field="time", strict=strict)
11:44
